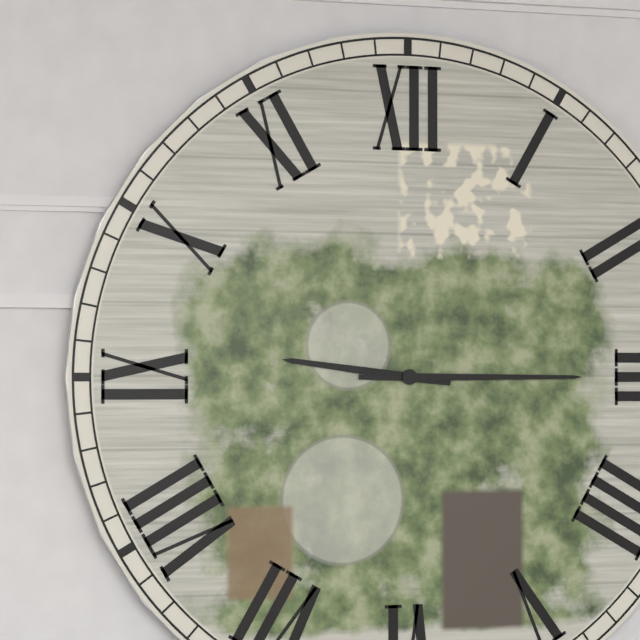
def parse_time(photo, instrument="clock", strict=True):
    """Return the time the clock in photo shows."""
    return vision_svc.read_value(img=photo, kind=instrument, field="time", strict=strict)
9:15
